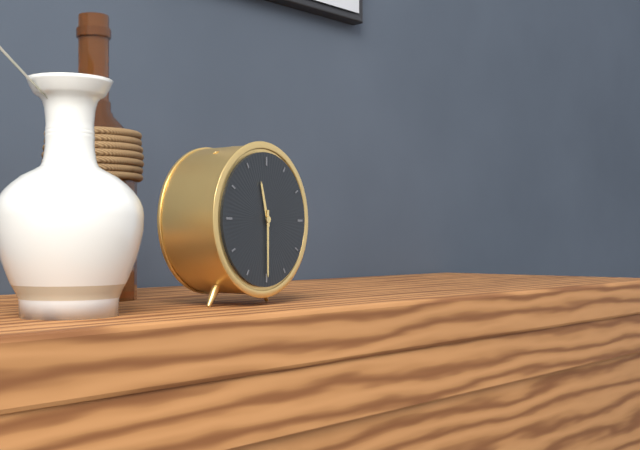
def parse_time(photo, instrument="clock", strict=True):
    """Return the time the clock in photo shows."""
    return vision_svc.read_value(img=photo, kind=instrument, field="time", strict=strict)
11:30
